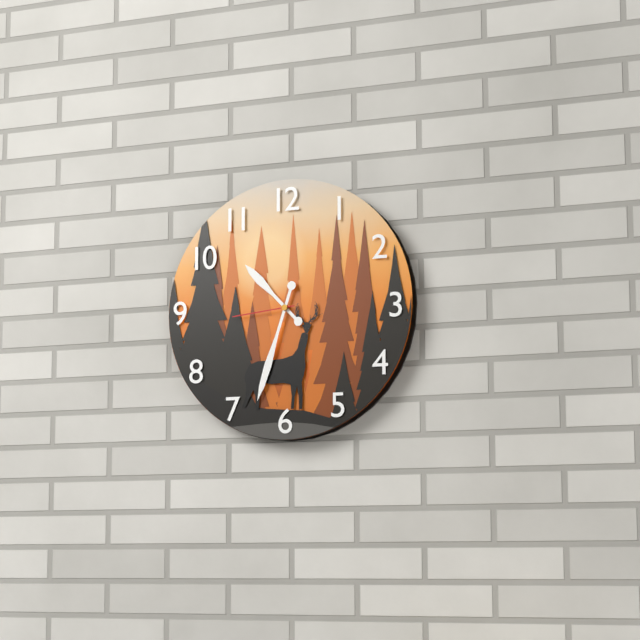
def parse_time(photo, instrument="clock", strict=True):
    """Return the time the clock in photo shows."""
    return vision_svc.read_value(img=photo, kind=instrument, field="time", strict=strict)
10:33:44
